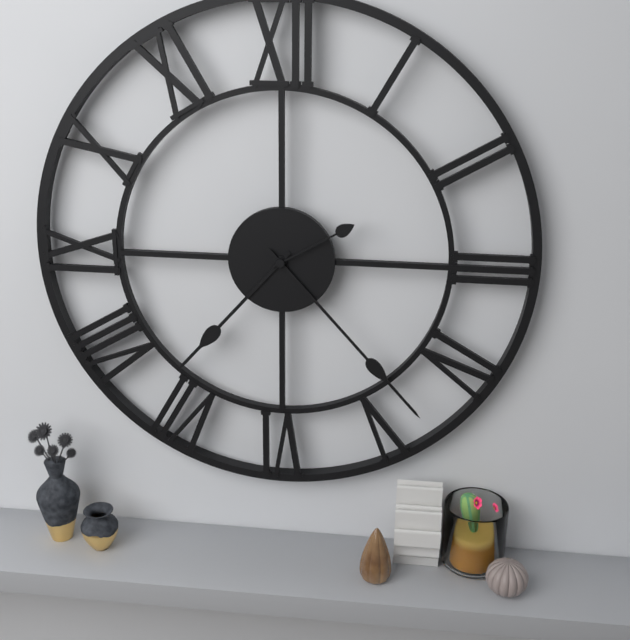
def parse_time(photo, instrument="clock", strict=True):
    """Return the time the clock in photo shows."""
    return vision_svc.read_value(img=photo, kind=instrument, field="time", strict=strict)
7:23:10
